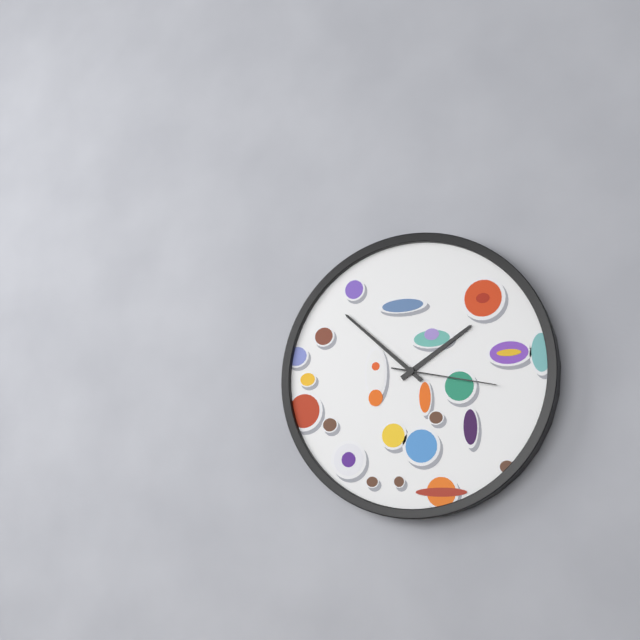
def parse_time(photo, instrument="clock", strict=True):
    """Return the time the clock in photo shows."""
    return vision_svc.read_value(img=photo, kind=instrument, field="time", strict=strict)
1:52:17
